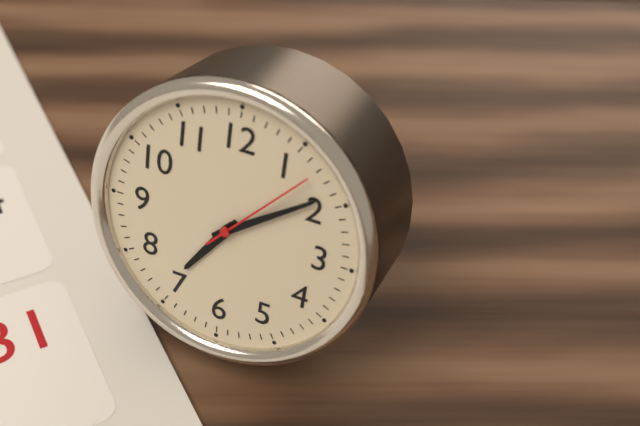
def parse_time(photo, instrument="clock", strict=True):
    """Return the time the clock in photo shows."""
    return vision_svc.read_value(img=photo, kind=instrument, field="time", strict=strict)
7:09:07
